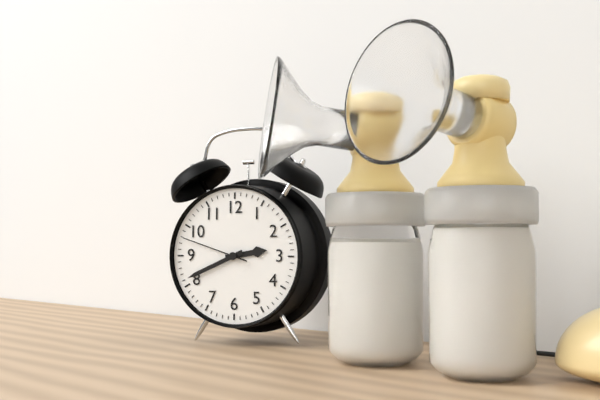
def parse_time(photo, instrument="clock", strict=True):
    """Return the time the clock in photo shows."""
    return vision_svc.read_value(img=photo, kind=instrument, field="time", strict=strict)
2:41:48
